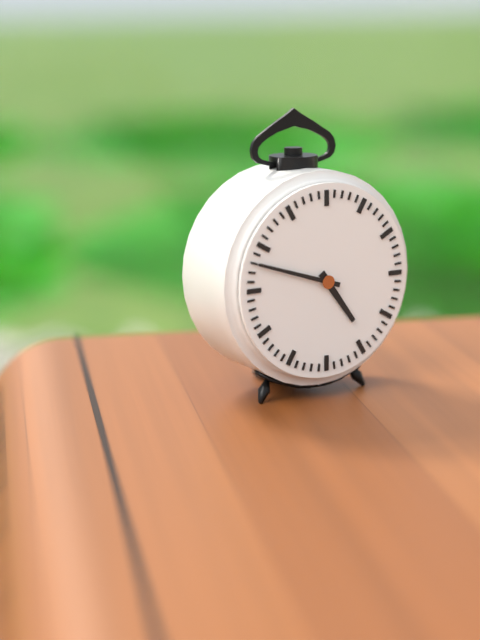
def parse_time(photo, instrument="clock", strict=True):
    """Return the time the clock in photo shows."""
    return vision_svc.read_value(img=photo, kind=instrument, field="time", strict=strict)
4:48
